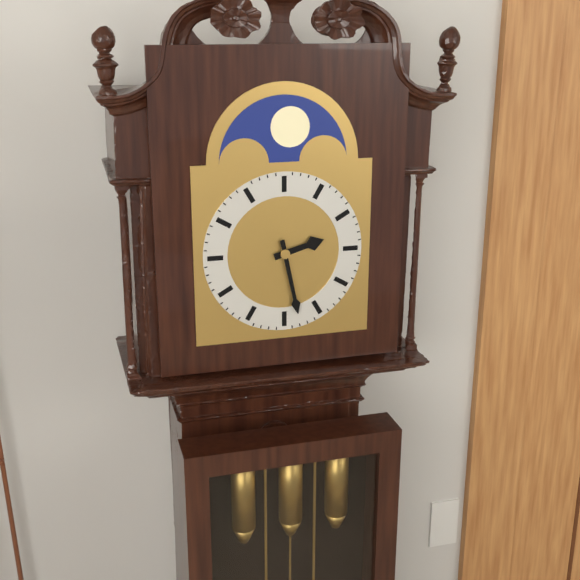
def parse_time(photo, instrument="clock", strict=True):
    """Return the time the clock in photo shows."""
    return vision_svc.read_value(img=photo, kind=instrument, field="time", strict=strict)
2:28
